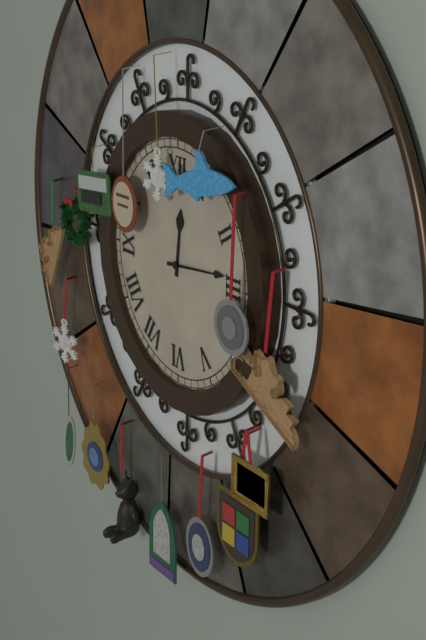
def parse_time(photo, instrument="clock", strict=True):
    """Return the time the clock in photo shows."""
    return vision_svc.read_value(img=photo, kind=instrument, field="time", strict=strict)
12:14
